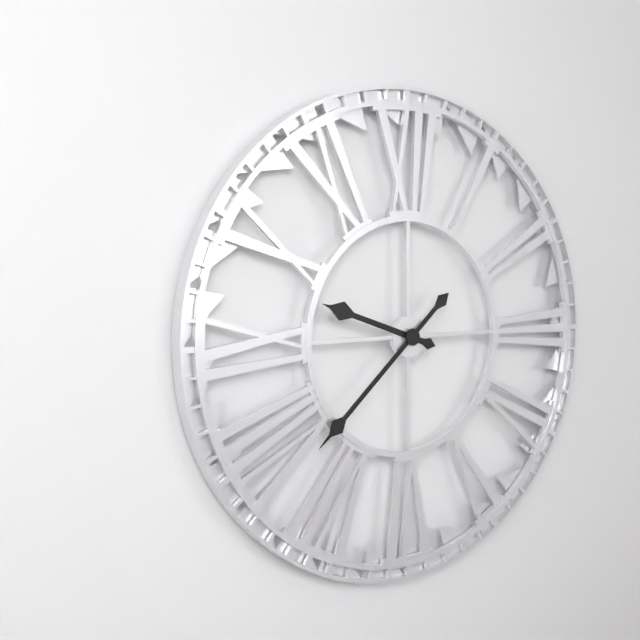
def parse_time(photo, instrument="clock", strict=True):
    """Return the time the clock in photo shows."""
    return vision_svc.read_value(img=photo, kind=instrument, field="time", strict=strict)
9:38
